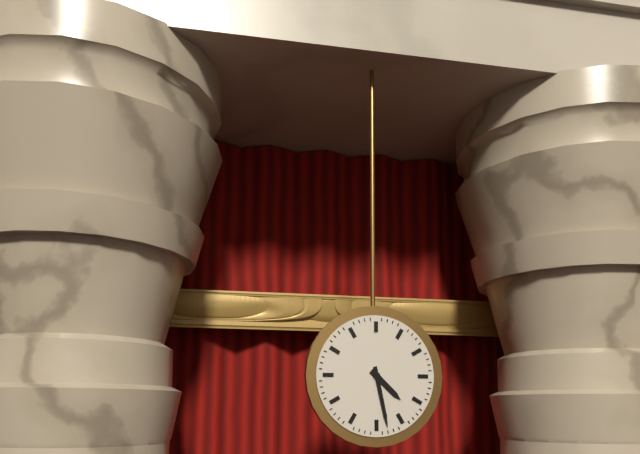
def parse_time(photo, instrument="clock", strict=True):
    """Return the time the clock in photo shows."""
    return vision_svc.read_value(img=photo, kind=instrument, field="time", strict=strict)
4:28
